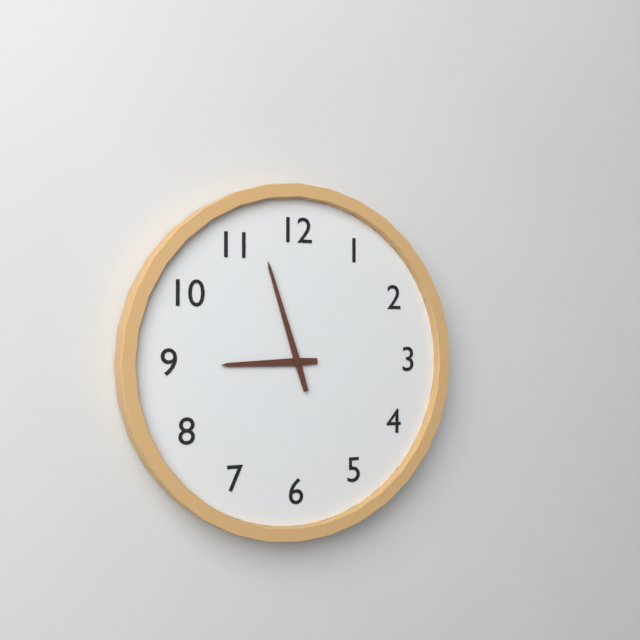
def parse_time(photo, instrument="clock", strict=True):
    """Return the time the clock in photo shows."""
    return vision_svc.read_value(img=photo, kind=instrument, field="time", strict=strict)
8:57
